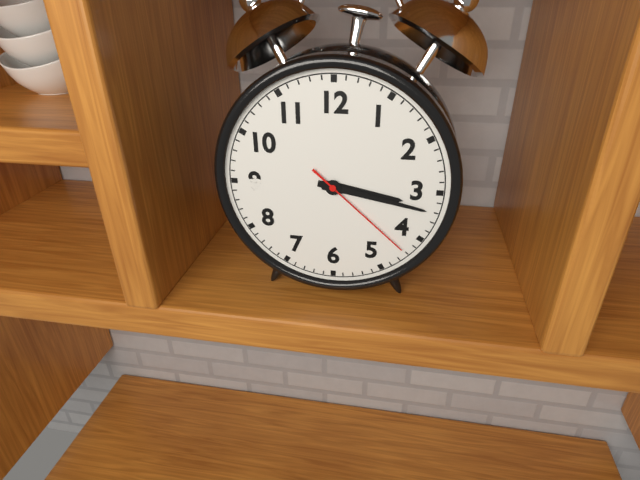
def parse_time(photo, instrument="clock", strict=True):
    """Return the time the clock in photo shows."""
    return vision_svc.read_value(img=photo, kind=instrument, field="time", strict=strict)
3:17:22
